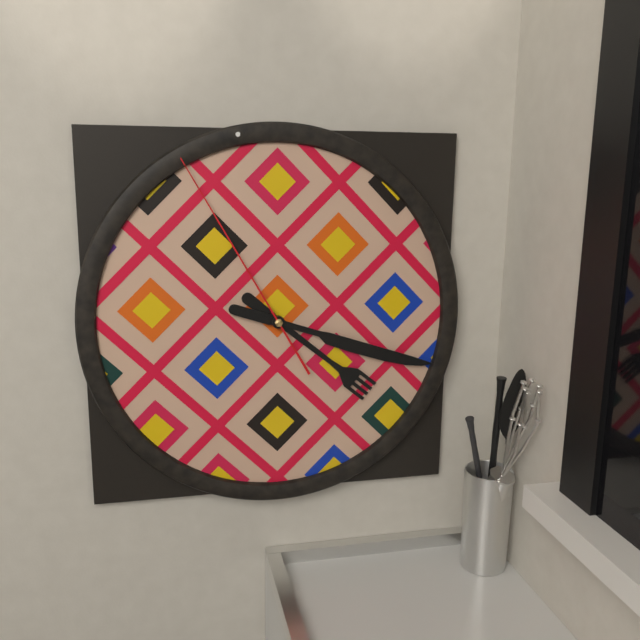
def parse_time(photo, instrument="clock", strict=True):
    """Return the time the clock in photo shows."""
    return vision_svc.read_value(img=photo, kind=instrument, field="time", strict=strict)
4:18:55
